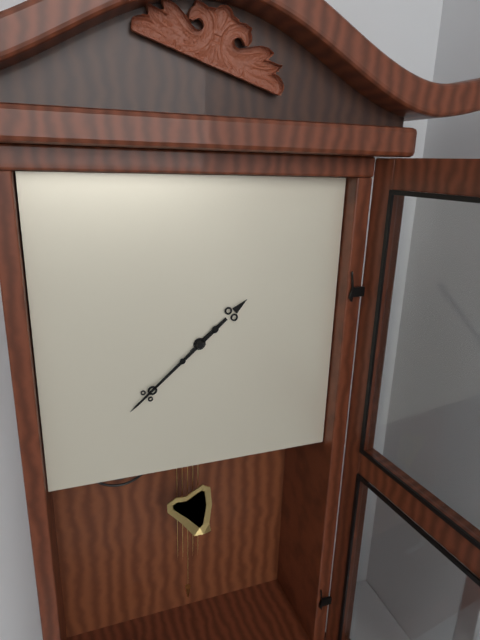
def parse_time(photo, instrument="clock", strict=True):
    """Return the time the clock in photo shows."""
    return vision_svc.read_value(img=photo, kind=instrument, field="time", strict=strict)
1:38
